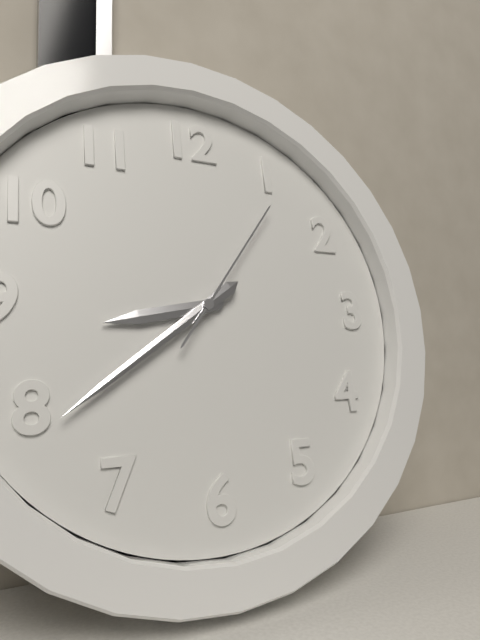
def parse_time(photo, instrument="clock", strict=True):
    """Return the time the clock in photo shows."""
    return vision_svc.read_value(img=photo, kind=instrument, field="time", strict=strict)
8:39:06
